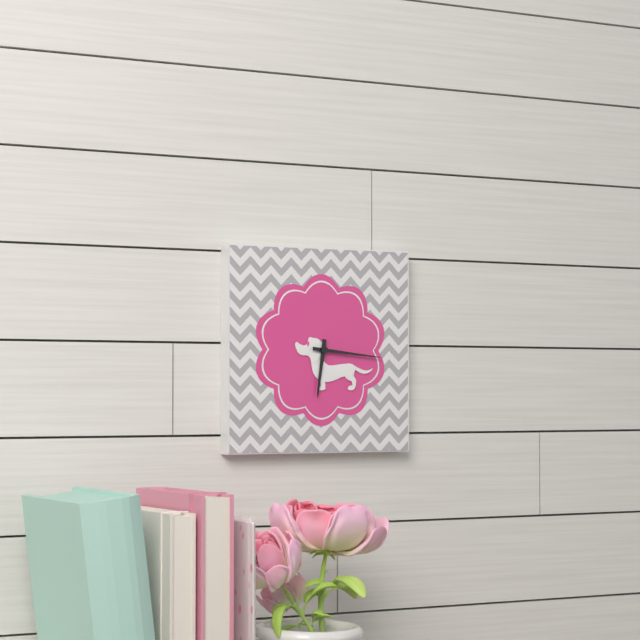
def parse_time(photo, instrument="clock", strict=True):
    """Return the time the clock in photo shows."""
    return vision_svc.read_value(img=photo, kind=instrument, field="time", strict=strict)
6:16
